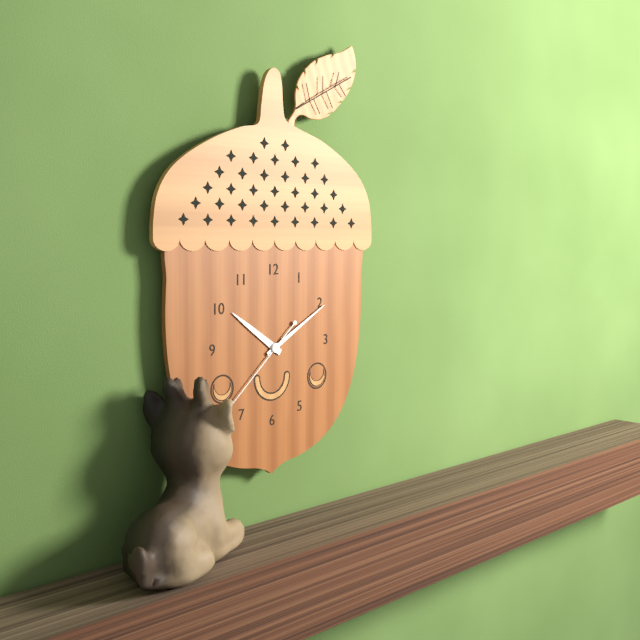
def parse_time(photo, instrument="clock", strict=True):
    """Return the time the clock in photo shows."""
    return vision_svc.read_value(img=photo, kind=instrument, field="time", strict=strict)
10:10:38
